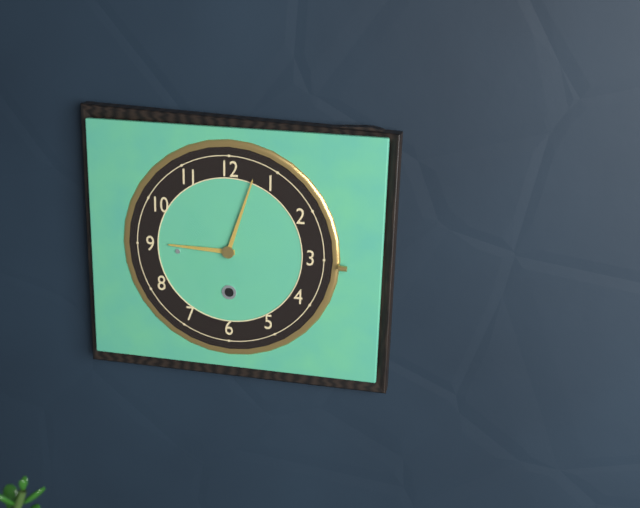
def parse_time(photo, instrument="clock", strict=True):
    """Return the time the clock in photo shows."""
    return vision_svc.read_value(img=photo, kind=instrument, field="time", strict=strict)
9:03
